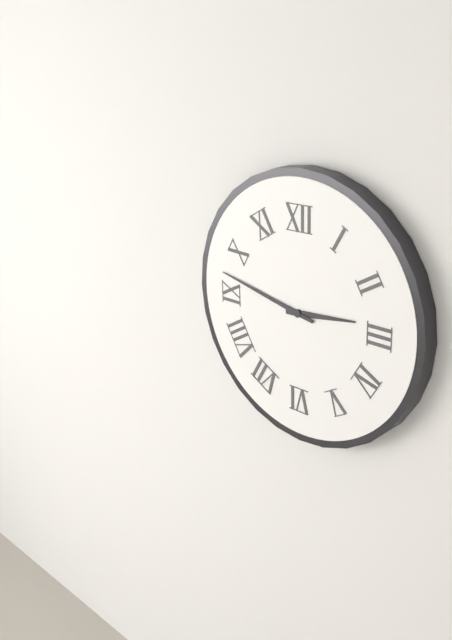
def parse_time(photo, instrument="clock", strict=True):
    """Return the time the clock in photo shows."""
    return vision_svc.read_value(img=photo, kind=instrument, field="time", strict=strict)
2:47
